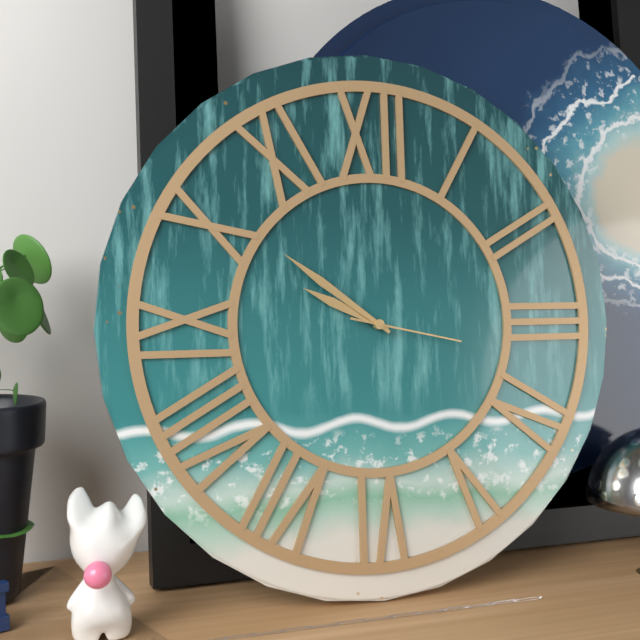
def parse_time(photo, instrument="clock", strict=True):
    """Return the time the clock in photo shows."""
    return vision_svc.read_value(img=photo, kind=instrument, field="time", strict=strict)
9:51:17
